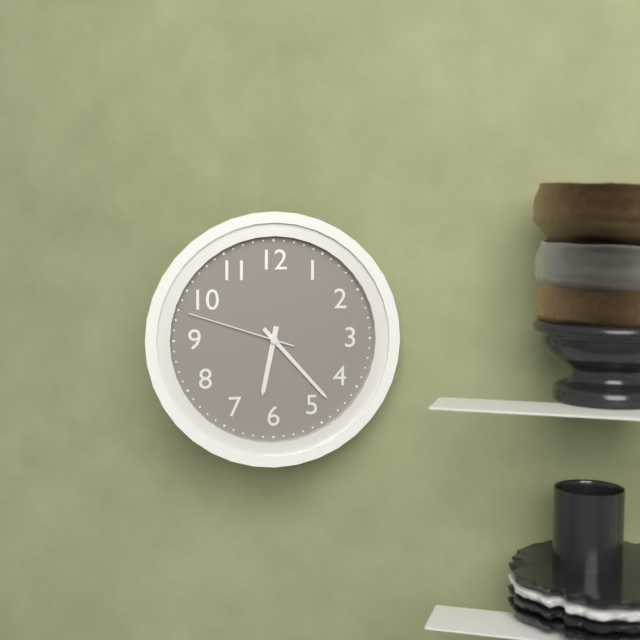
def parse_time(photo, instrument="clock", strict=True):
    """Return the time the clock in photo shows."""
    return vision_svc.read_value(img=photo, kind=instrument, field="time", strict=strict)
6:23:48
